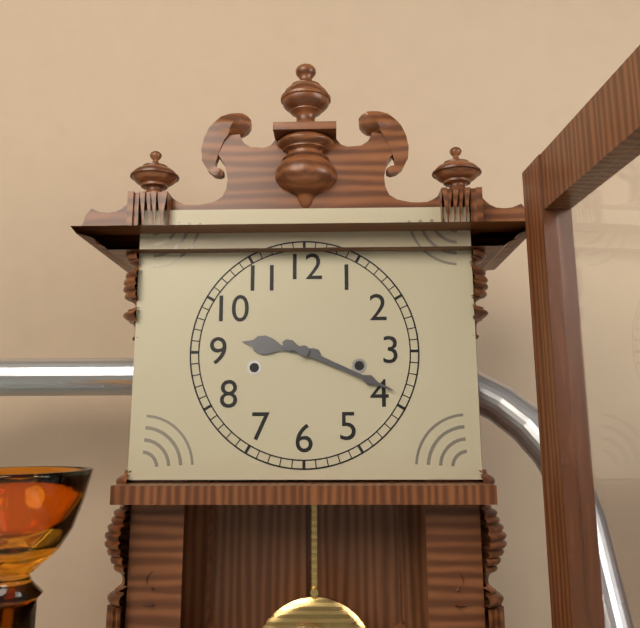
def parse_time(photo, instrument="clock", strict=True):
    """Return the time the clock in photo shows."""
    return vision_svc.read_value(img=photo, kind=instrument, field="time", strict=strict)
9:19
